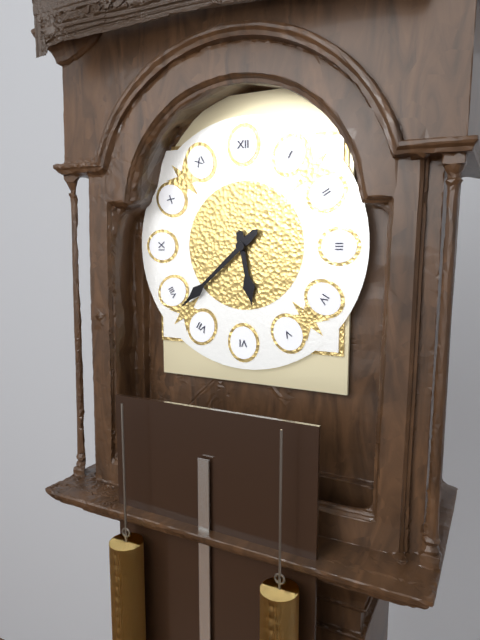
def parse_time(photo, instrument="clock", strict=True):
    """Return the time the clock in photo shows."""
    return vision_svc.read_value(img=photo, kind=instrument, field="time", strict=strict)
5:38
